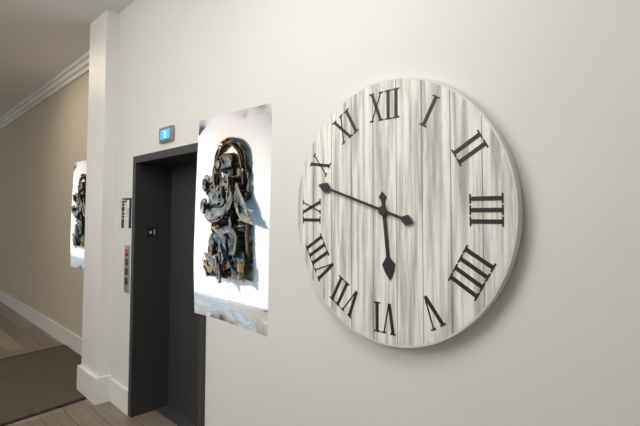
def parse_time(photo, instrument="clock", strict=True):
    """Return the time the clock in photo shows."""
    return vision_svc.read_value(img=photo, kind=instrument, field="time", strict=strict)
5:48
